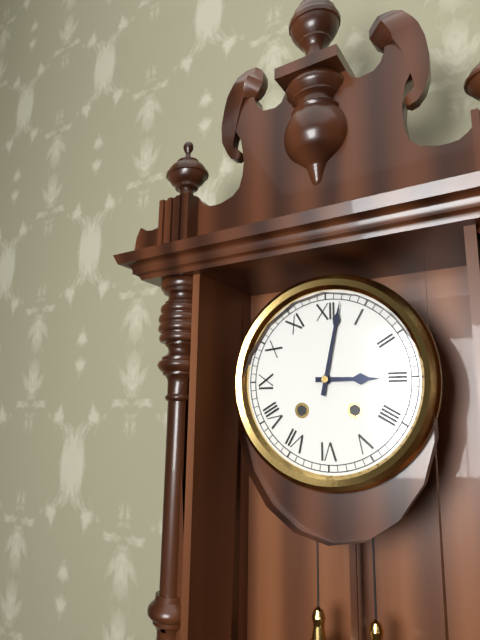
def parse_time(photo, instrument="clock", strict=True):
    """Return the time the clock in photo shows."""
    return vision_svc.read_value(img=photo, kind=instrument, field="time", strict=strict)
3:02
